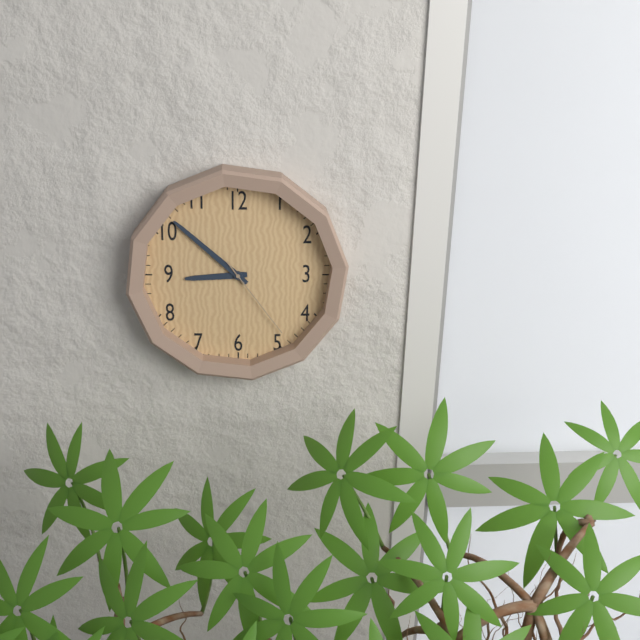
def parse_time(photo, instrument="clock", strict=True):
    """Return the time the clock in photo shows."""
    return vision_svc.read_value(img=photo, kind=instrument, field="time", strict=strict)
8:52:24
